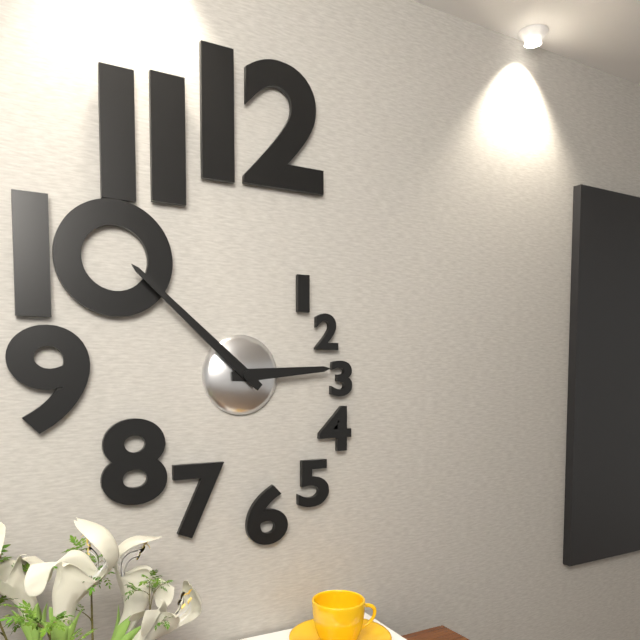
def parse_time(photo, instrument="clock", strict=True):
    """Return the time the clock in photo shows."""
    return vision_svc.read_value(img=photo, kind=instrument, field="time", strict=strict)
2:52
